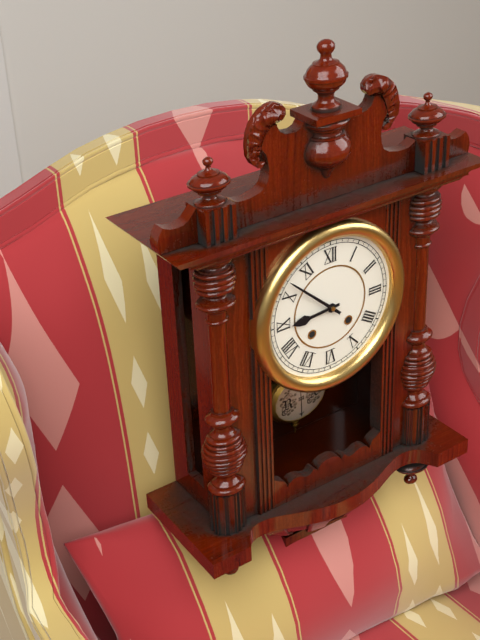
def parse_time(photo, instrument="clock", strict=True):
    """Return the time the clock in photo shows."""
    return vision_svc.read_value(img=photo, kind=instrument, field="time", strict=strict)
8:52
